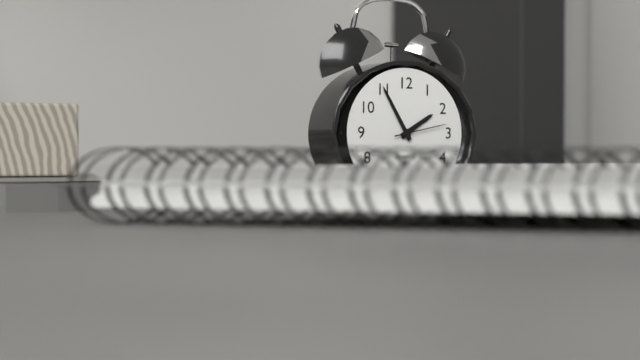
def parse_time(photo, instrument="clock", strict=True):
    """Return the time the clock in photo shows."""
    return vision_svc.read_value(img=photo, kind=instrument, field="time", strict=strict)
1:55:13
